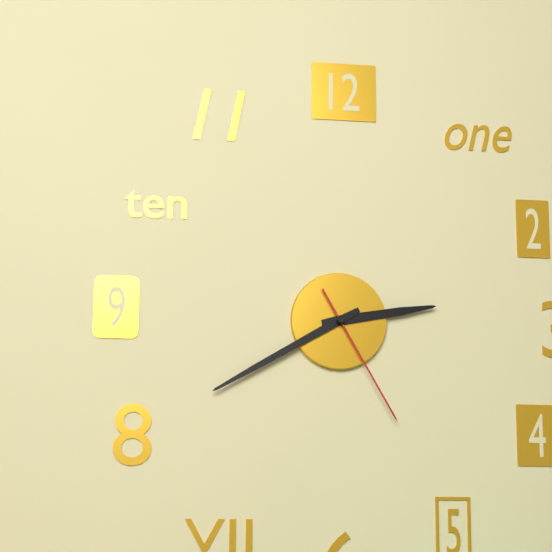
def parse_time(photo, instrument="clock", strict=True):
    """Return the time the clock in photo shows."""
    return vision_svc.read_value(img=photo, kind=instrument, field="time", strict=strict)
2:40:25
